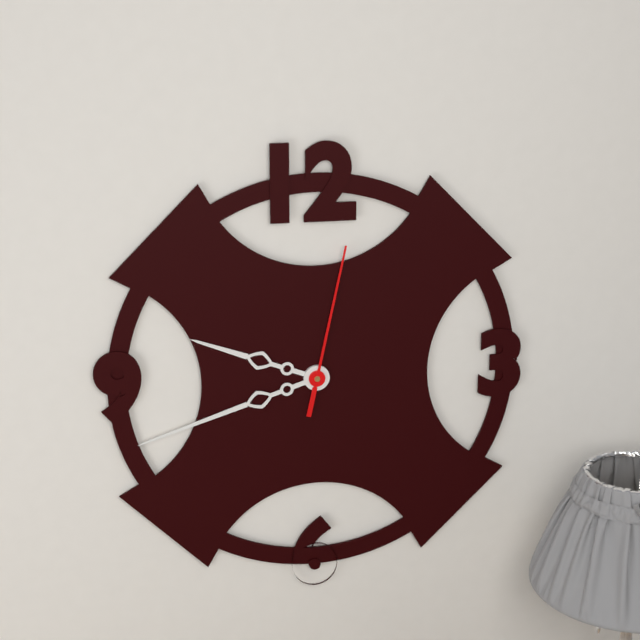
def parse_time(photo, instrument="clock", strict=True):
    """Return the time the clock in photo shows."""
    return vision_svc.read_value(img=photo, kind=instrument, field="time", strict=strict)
9:42:02
